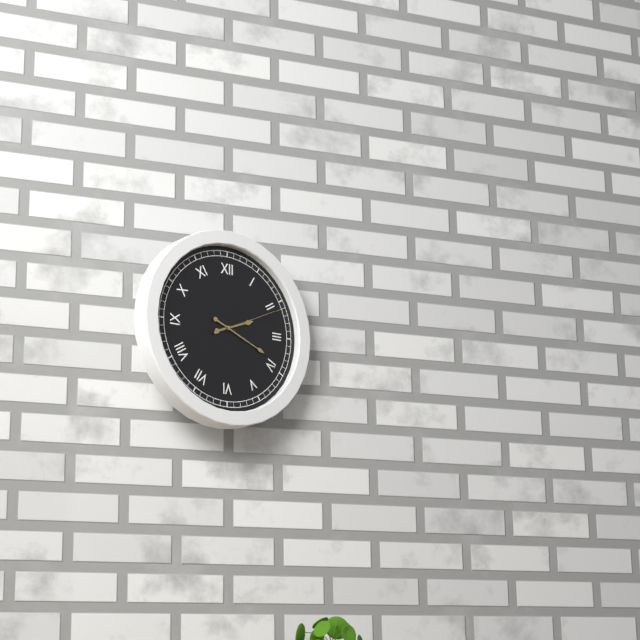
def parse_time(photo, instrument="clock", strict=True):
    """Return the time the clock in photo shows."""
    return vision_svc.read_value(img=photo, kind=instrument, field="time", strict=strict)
2:19:11
